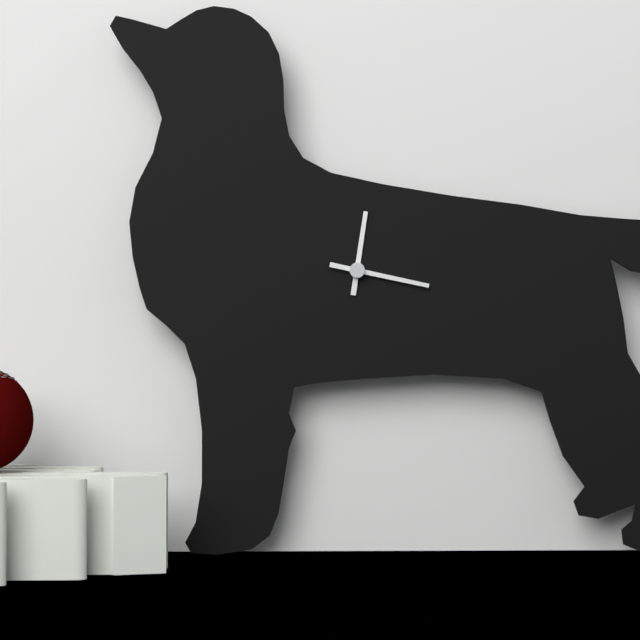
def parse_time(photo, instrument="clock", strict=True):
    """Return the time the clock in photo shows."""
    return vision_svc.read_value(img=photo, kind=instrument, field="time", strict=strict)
12:17
